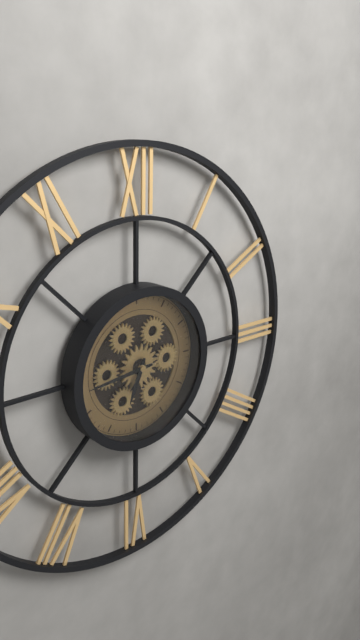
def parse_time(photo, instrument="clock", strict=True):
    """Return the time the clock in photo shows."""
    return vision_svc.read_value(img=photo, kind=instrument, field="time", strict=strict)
6:44
